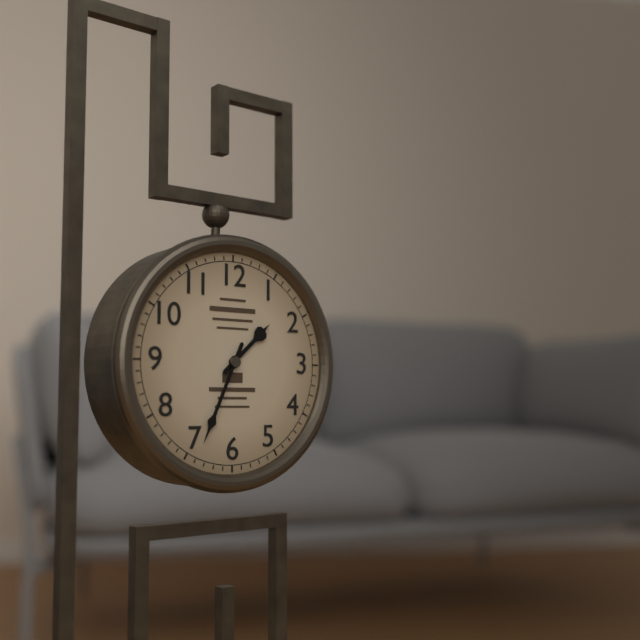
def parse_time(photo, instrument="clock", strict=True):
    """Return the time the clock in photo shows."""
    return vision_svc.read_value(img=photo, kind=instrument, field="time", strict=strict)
1:34
